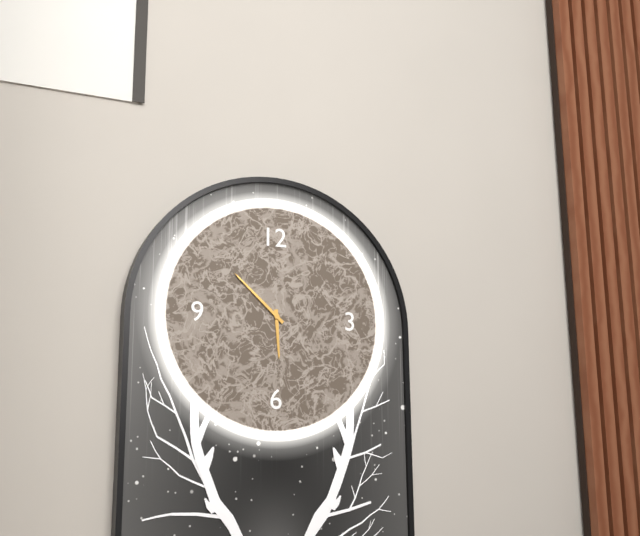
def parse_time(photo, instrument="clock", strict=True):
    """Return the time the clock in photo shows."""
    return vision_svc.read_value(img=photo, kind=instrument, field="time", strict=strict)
5:52
